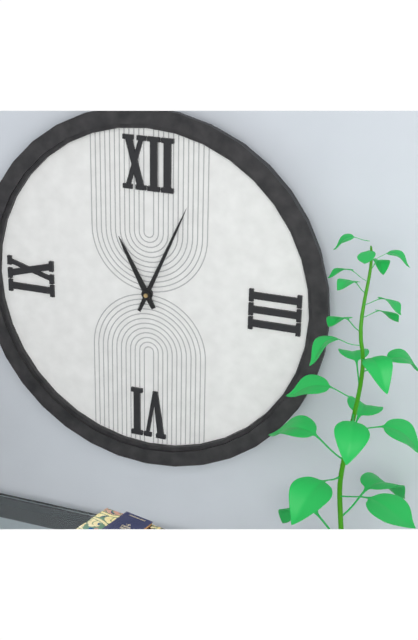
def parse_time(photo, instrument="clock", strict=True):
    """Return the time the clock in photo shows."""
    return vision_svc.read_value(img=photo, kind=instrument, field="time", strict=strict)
11:04
